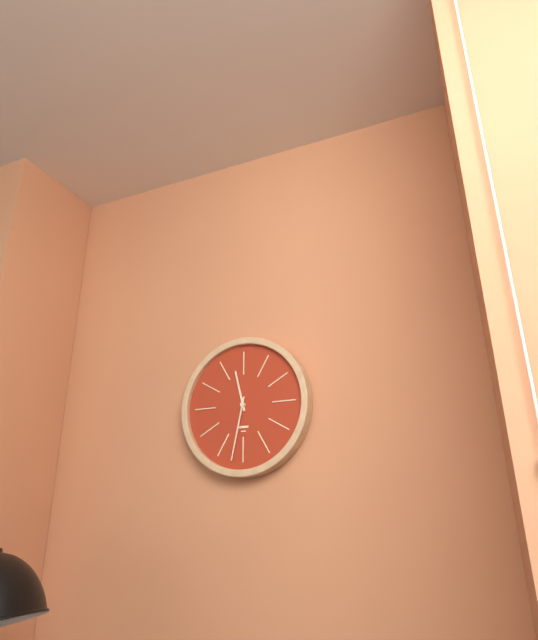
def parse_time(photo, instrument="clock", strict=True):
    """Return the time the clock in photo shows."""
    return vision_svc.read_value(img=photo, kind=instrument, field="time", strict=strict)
11:32
